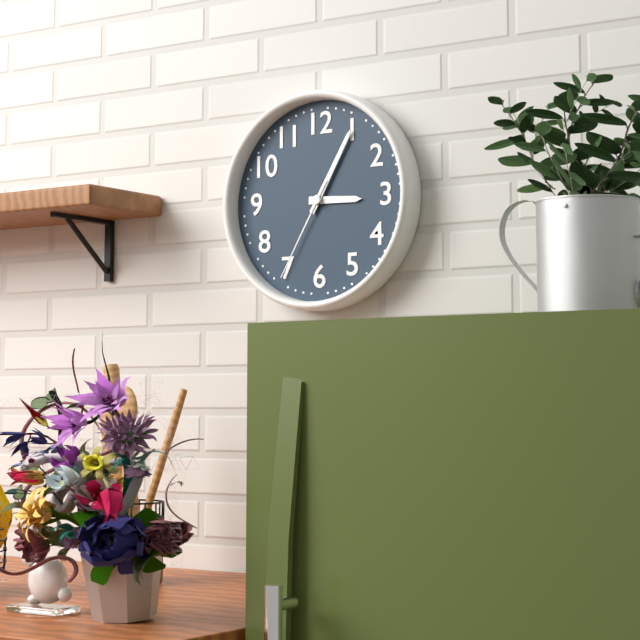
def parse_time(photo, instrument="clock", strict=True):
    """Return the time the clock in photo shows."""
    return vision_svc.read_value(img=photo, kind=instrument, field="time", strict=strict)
3:05:35
